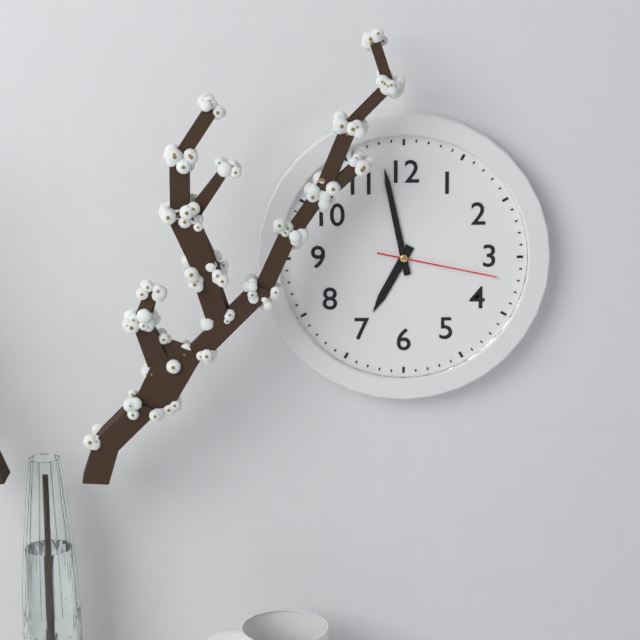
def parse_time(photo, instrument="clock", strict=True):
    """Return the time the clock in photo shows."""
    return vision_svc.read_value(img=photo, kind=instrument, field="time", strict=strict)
6:58:17
